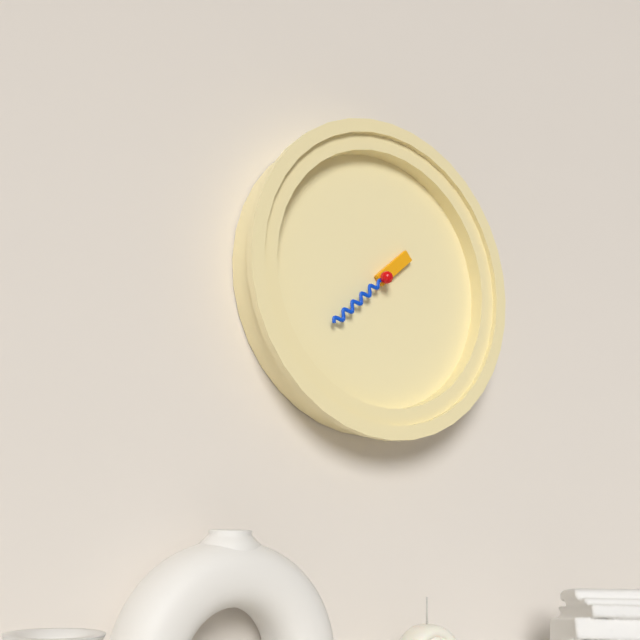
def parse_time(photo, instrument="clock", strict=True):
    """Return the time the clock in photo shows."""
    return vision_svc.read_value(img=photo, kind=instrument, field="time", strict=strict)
1:38
